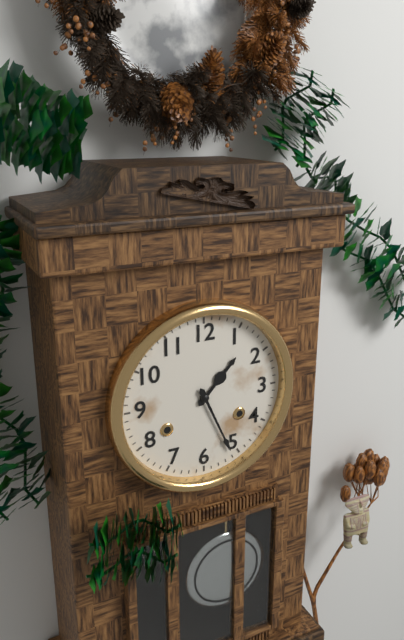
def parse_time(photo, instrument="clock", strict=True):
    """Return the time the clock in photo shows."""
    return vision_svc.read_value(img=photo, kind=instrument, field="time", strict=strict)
1:26
